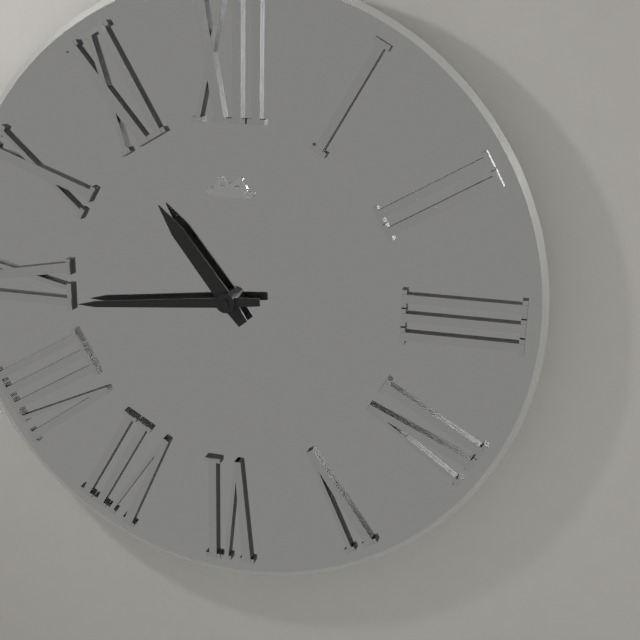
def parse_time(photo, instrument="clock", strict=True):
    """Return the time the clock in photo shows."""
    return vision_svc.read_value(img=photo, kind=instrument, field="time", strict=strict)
10:44
